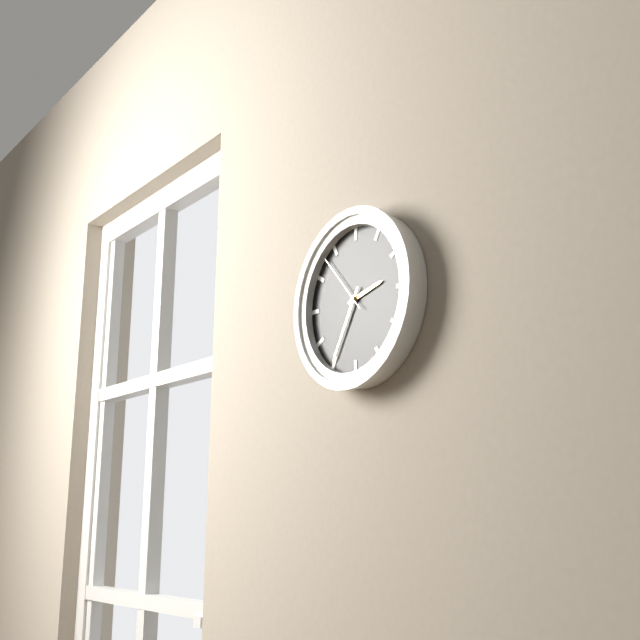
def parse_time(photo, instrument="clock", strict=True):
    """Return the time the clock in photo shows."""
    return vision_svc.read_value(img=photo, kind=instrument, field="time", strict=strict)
2:35:53
